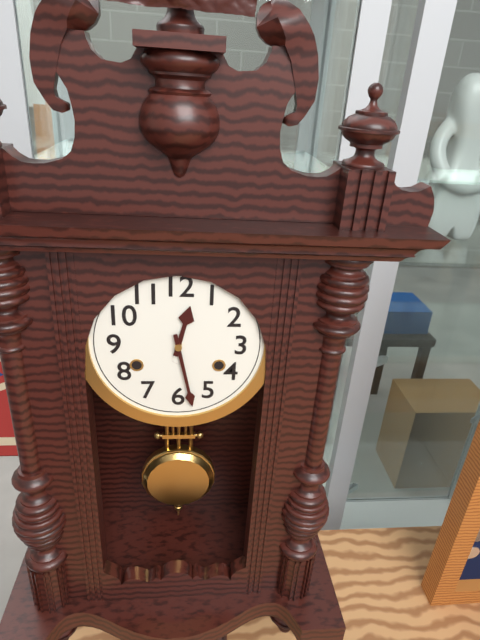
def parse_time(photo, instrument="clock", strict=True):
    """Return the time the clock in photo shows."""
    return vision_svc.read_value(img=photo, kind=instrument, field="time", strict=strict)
12:28
